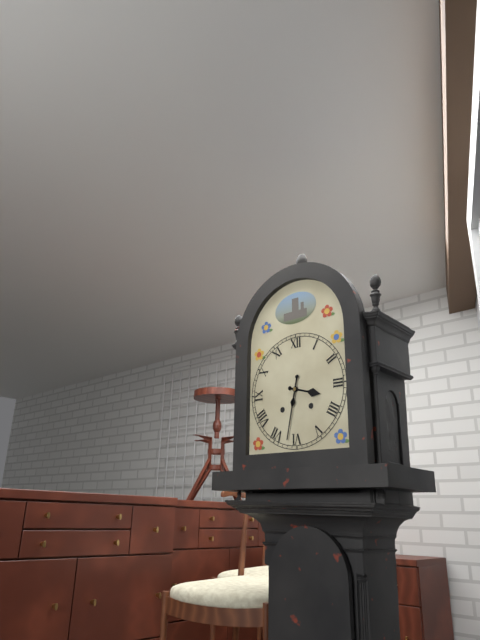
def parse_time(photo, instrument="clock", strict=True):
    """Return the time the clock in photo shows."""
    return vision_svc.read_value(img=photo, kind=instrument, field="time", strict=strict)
3:32
